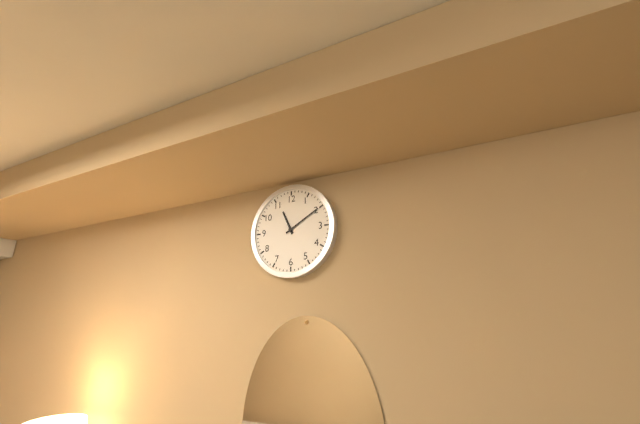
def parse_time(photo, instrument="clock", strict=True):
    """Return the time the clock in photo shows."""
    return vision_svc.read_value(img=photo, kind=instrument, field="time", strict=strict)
11:10
